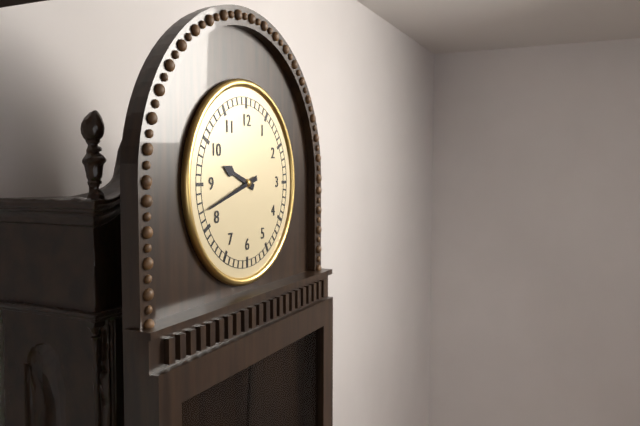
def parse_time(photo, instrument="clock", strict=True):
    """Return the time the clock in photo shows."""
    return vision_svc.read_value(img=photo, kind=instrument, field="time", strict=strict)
9:42
